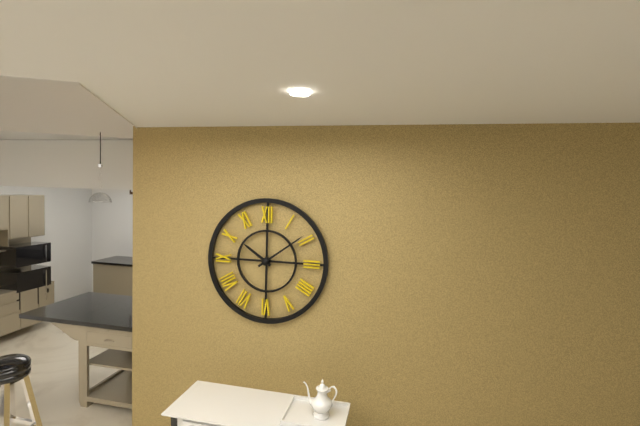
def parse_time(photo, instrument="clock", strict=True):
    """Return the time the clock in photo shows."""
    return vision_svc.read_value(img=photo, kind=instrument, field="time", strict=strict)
10:09
